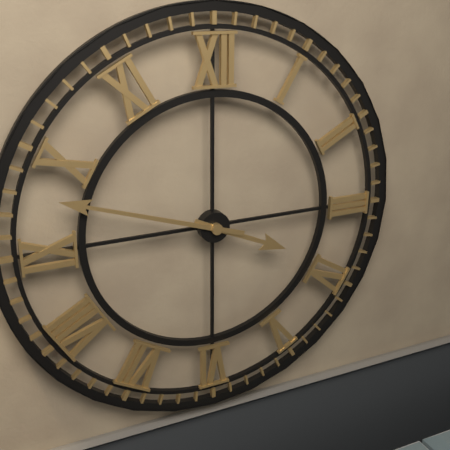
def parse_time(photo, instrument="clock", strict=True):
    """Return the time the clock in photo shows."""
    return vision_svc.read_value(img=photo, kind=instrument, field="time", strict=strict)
3:48
